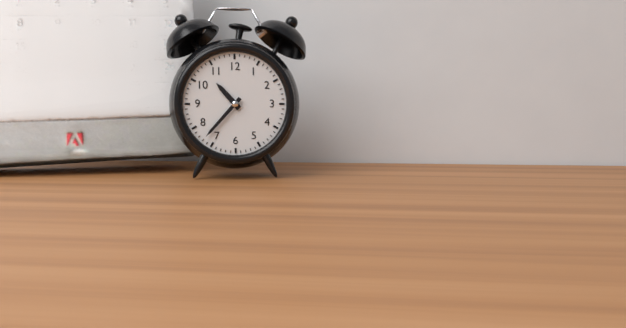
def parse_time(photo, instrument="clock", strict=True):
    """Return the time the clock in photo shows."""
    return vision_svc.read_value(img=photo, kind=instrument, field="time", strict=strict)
10:37
